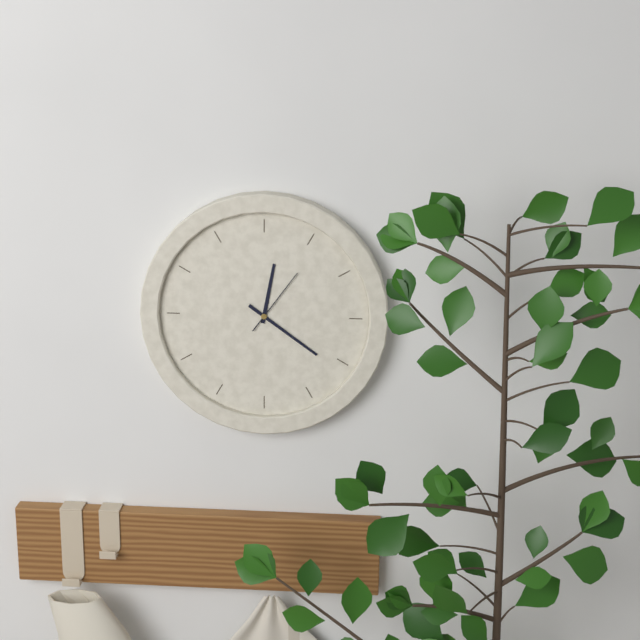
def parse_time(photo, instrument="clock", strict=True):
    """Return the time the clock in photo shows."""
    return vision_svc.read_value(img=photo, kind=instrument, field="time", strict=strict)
12:21:06
